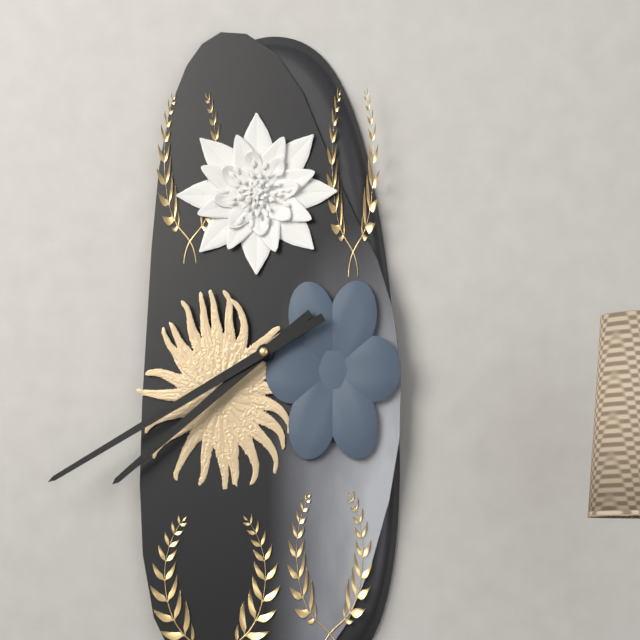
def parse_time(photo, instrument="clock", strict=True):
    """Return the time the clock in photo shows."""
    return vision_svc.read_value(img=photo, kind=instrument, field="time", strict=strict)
7:40
